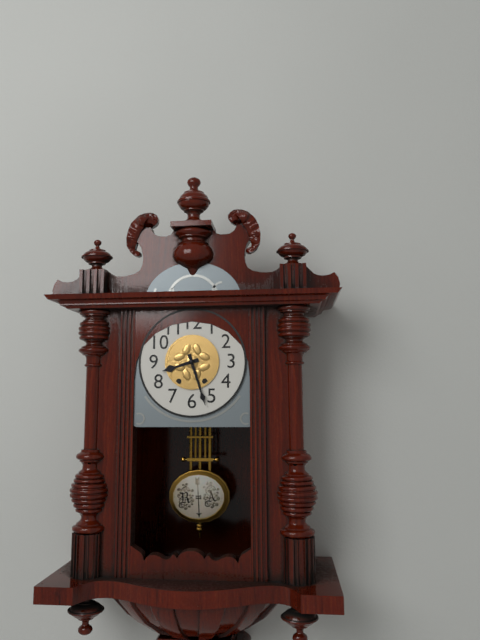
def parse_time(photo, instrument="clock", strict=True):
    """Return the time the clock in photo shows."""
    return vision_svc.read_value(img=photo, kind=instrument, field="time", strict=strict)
8:27
